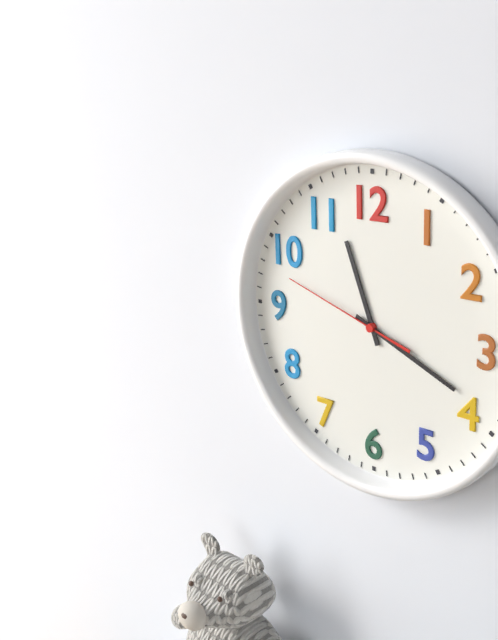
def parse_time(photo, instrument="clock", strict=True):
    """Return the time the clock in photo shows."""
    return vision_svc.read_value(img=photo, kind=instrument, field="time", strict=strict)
11:19:48
